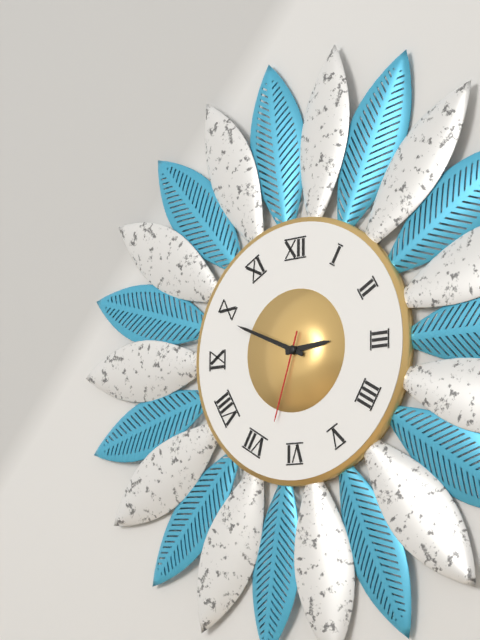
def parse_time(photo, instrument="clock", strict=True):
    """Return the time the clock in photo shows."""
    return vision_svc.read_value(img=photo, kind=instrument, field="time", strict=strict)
2:49:33
